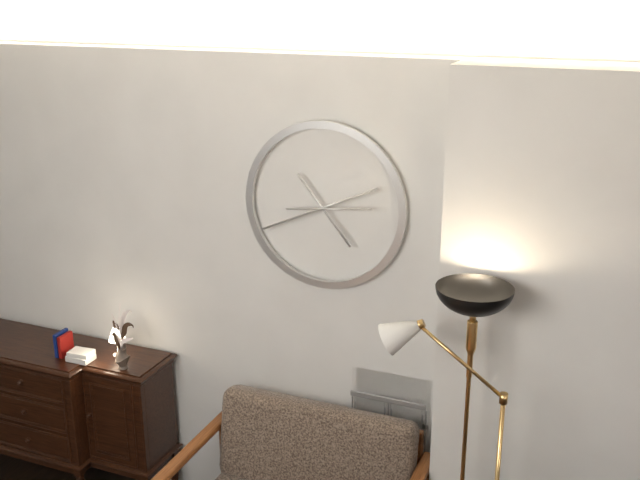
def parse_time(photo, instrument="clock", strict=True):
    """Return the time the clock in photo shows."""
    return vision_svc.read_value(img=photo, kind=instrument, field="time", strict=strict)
4:41:14
